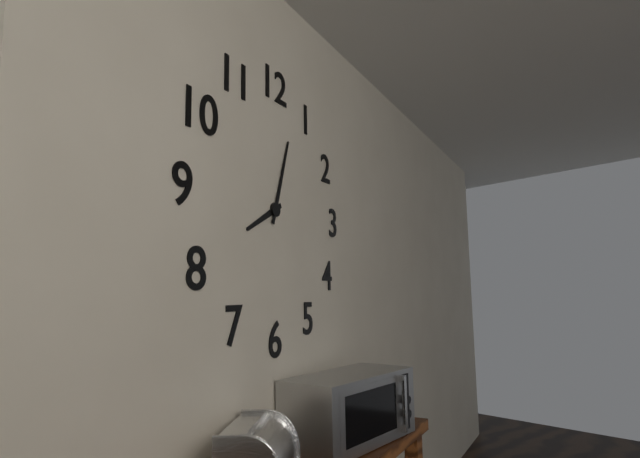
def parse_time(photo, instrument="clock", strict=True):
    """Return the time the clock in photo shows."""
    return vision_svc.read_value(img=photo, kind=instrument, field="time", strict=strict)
8:03
